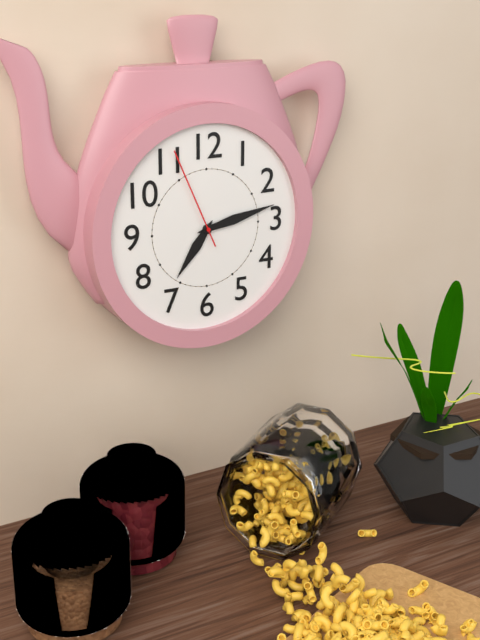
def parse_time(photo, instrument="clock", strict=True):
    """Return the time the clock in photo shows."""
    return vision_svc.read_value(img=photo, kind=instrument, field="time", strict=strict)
7:13:56
